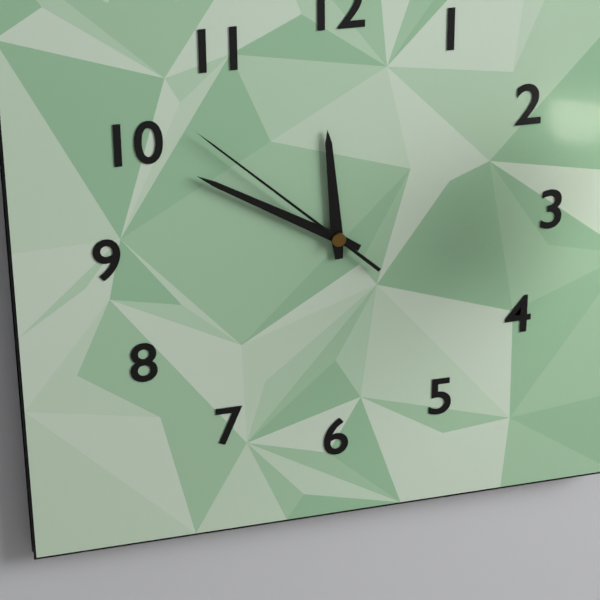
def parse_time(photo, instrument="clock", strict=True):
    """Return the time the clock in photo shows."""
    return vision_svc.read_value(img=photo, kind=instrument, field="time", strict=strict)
11:50:52
